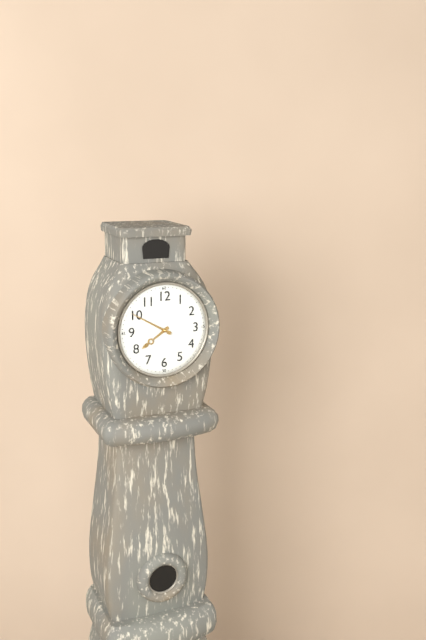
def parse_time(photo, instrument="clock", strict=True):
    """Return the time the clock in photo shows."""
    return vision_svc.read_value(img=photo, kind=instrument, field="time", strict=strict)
7:50
